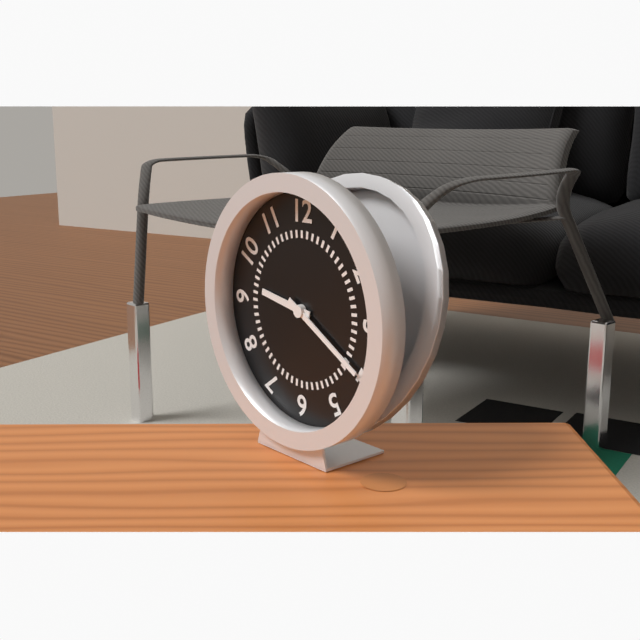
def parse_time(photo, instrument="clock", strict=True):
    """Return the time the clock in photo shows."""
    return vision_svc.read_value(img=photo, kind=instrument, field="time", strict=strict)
9:20
